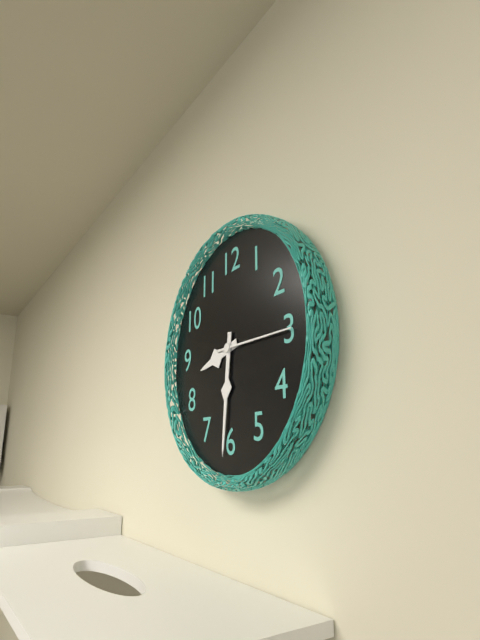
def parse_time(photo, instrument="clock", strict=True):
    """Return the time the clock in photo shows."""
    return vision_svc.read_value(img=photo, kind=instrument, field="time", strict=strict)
8:31:15
